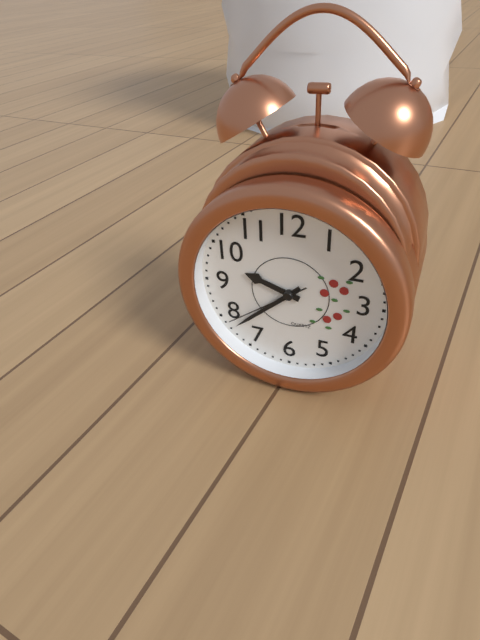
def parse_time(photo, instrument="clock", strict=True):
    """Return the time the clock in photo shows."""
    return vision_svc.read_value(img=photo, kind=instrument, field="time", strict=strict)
9:38:39
